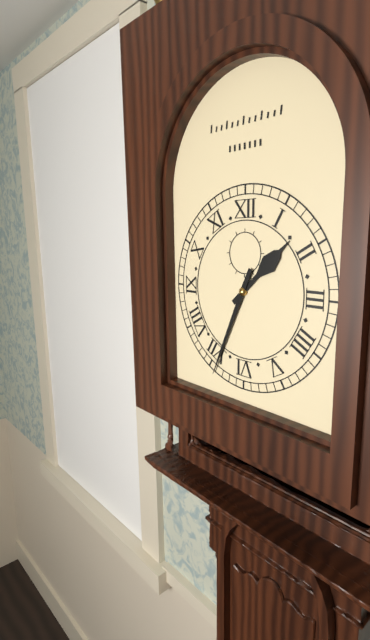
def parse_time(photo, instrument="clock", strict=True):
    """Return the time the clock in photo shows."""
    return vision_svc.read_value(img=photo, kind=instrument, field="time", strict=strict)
1:34
